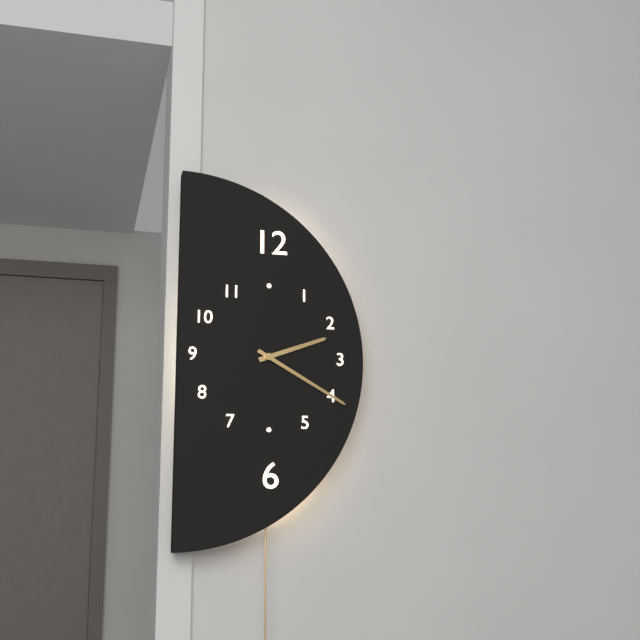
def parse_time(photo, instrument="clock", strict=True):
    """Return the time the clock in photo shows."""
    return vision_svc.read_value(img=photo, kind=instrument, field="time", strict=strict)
2:20
